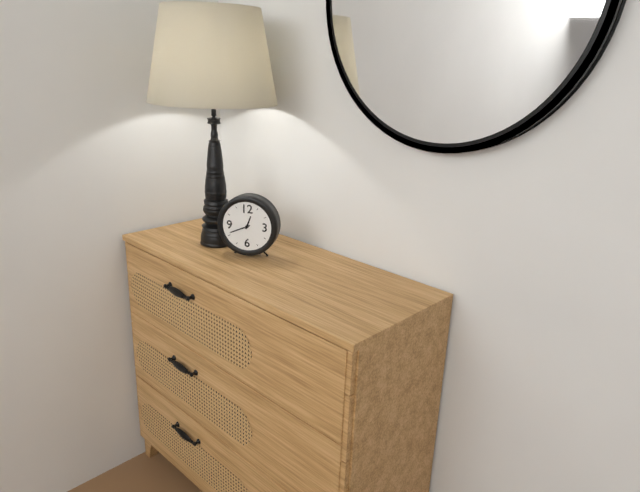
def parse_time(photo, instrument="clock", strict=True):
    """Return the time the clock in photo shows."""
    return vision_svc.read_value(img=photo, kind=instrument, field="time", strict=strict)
12:41
